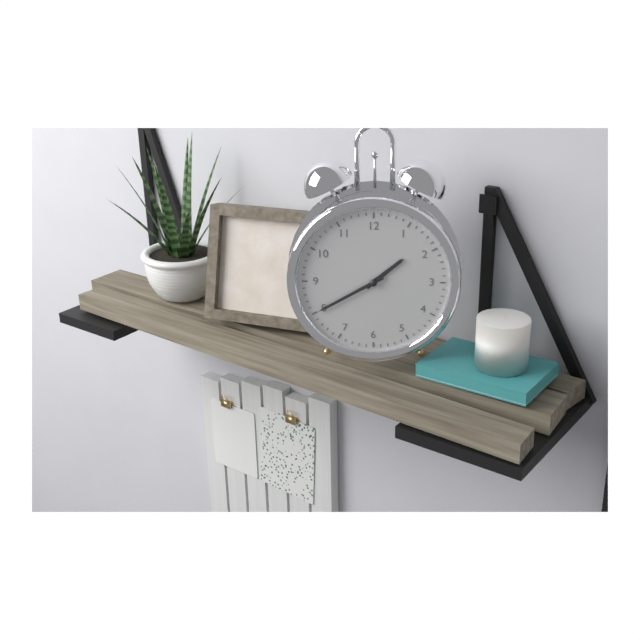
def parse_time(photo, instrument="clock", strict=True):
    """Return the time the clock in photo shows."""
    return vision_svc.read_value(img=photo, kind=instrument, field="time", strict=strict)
1:40
